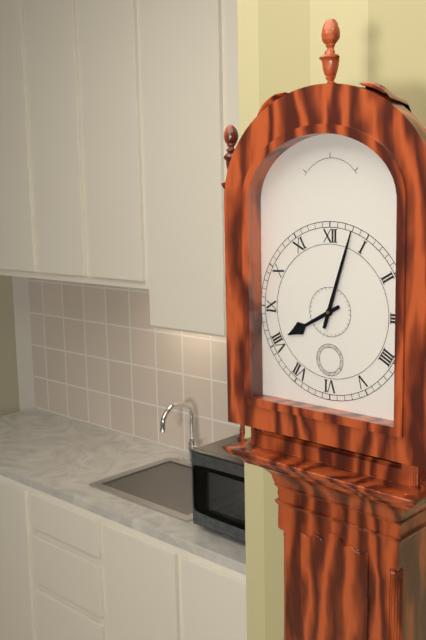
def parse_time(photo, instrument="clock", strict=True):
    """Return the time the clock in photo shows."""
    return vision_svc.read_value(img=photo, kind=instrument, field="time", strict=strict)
8:03
